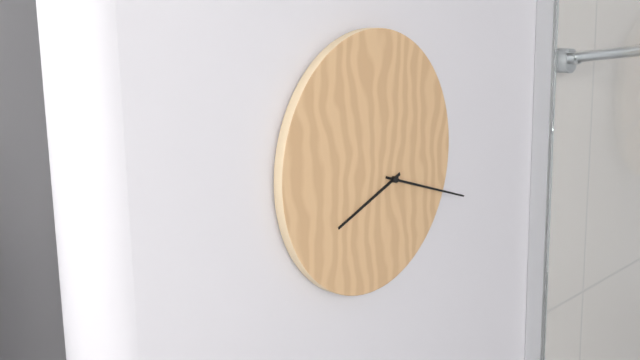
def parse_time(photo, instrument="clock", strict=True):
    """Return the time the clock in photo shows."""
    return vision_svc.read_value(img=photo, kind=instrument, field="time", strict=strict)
8:18
